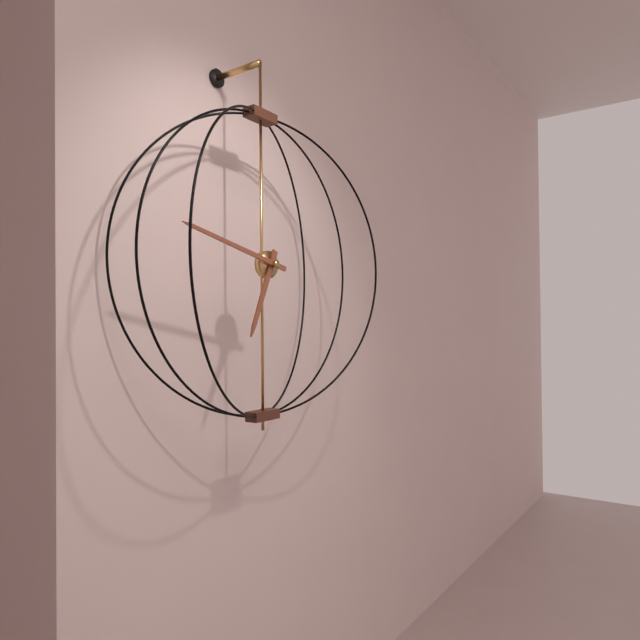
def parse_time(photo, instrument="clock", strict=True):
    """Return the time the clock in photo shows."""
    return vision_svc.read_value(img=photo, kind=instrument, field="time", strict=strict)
6:47
